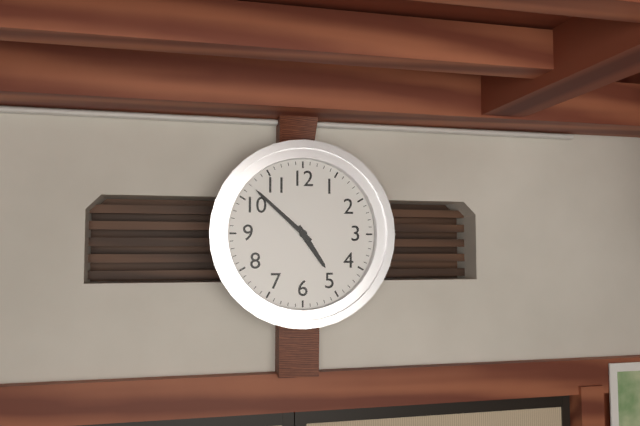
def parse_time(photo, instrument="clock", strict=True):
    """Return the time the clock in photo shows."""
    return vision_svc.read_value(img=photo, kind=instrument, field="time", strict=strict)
4:52
